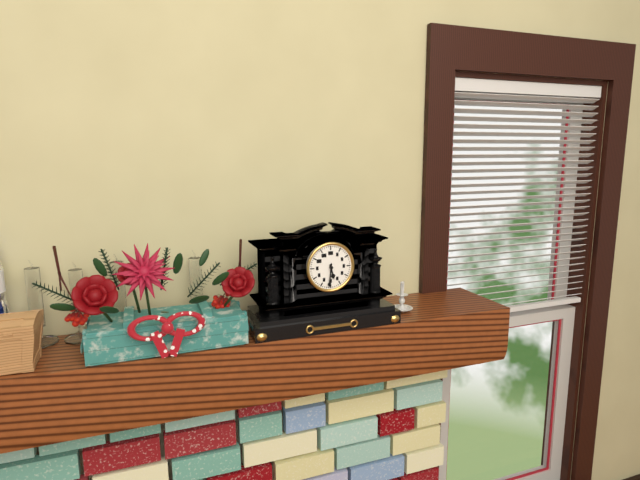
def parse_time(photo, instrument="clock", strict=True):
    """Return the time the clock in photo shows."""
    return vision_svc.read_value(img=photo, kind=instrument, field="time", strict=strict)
5:31
